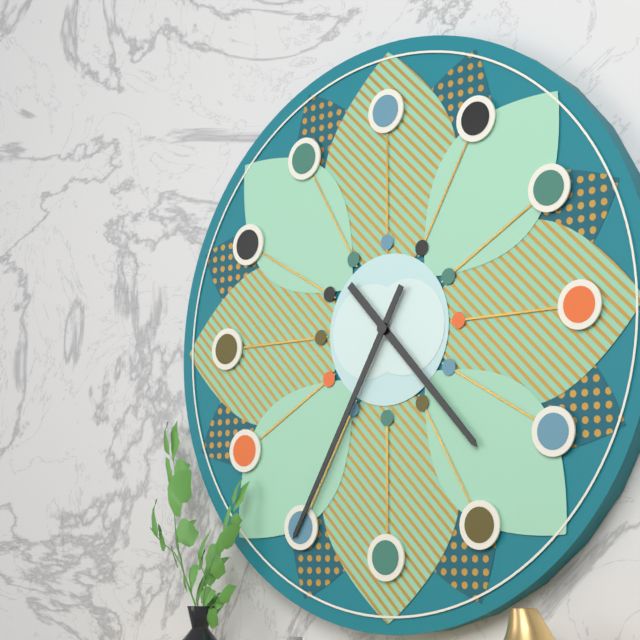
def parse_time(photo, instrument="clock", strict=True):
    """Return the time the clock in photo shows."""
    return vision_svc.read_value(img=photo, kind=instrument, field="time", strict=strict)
4:35
